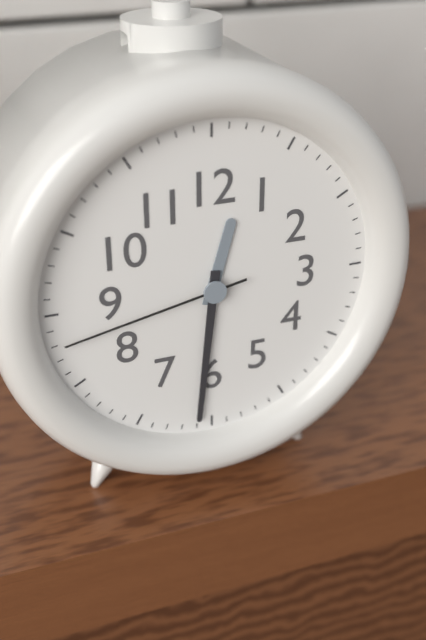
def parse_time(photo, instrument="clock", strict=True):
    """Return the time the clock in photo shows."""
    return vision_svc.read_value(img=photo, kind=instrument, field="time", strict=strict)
12:31:43
